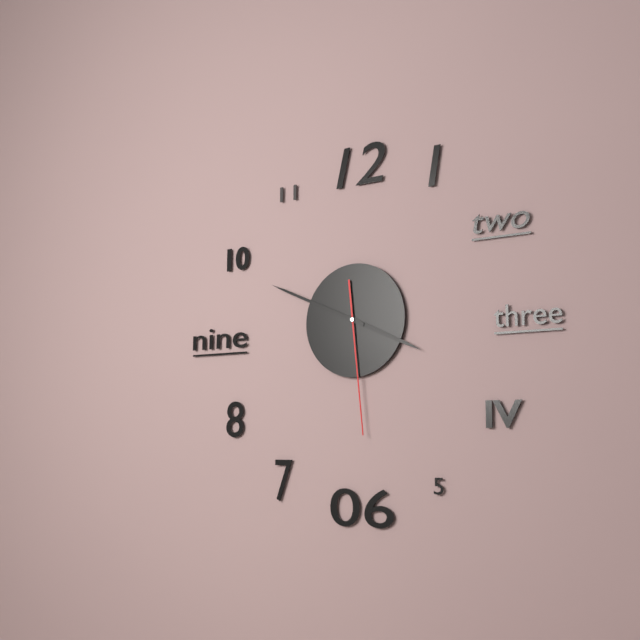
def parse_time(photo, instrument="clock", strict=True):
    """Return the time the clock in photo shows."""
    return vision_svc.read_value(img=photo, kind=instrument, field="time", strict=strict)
3:49:29
